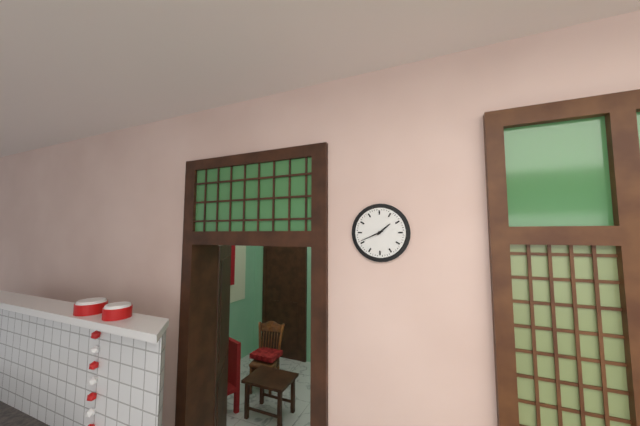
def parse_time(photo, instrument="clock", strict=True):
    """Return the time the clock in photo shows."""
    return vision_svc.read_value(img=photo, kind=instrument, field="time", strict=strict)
1:41
